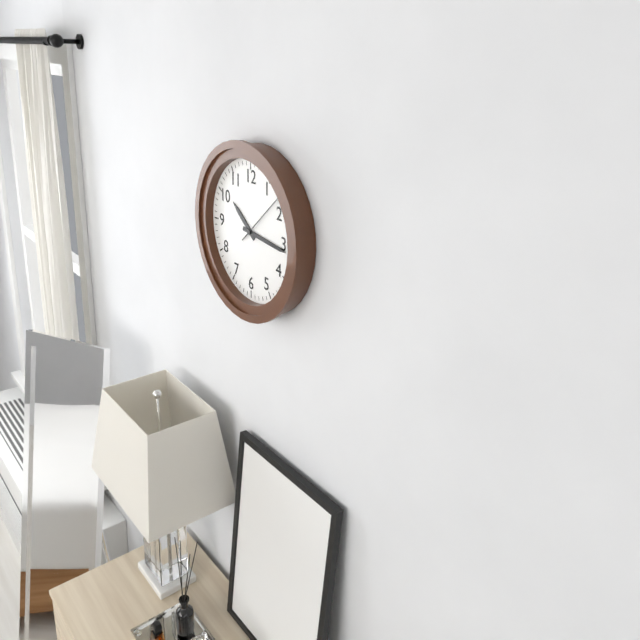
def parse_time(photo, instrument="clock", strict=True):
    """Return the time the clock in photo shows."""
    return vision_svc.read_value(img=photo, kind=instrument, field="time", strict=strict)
10:16:08
